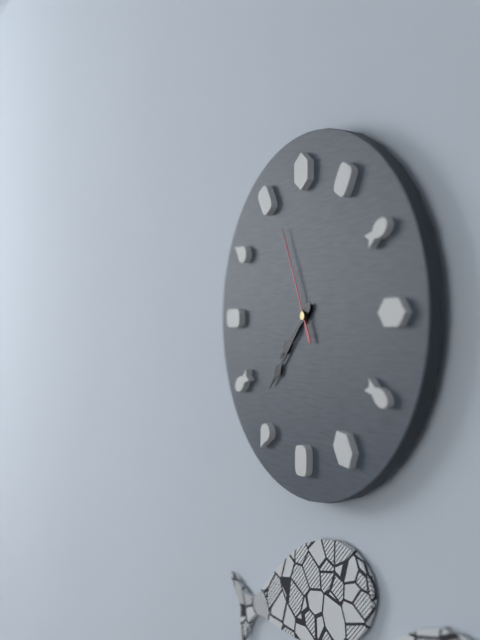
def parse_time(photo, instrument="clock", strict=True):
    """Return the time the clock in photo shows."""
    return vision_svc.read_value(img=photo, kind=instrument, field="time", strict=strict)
7:37:56
